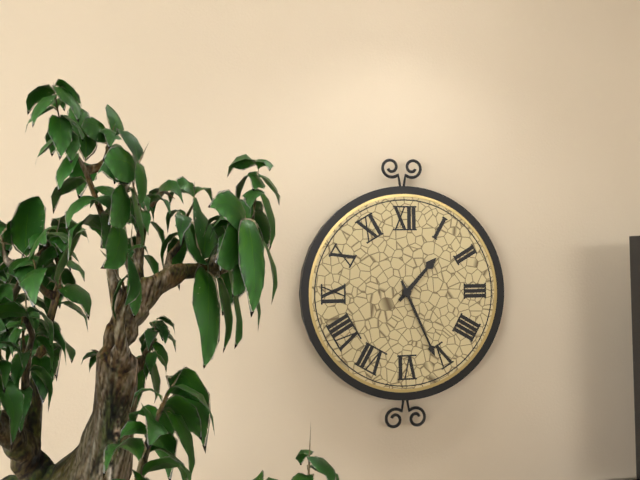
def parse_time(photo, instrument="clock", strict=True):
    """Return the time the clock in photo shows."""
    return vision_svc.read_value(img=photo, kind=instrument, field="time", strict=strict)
1:26
